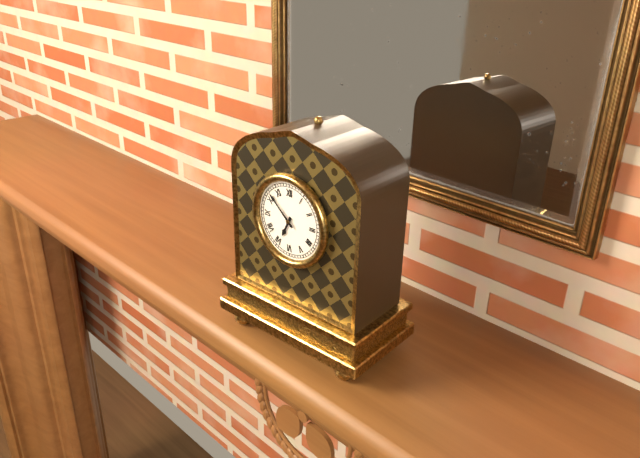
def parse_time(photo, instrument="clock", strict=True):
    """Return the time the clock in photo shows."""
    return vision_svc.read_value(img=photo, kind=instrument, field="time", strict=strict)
6:52
